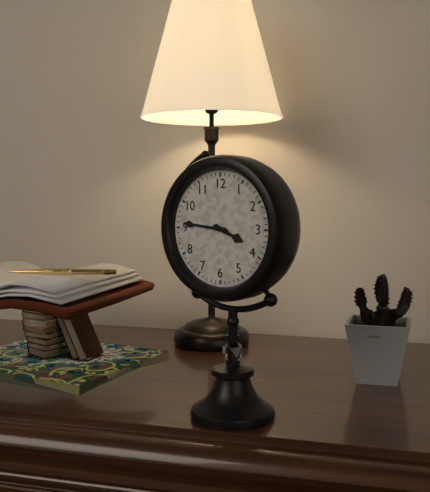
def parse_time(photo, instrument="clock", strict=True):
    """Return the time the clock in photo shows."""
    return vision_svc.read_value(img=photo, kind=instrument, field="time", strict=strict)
3:46
